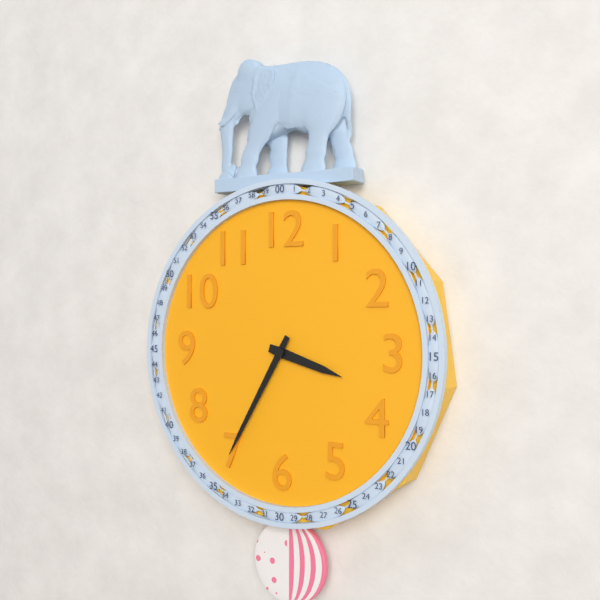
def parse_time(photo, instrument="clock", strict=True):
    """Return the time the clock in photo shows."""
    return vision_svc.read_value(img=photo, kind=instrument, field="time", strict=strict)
3:35
